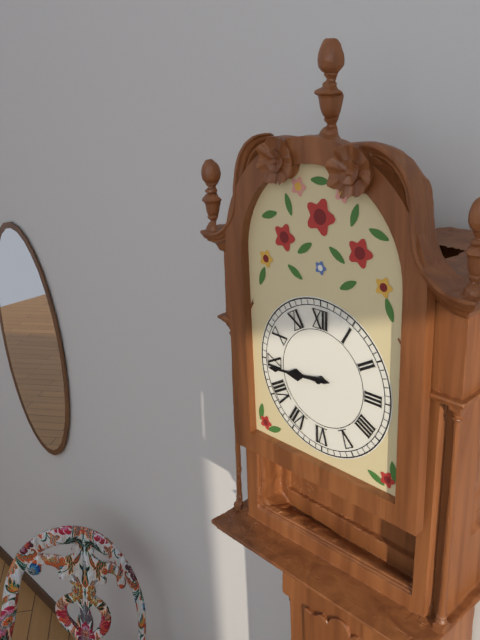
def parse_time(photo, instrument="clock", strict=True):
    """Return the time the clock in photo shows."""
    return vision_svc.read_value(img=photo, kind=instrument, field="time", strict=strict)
8:44
